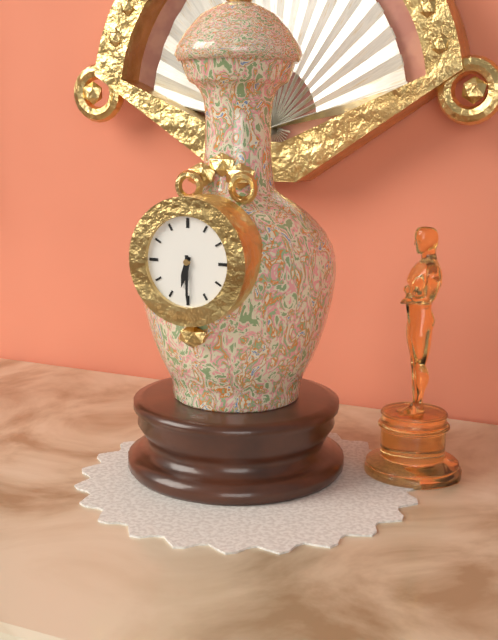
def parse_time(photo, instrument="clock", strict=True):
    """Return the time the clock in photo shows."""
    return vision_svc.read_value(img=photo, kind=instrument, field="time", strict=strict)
6:30
